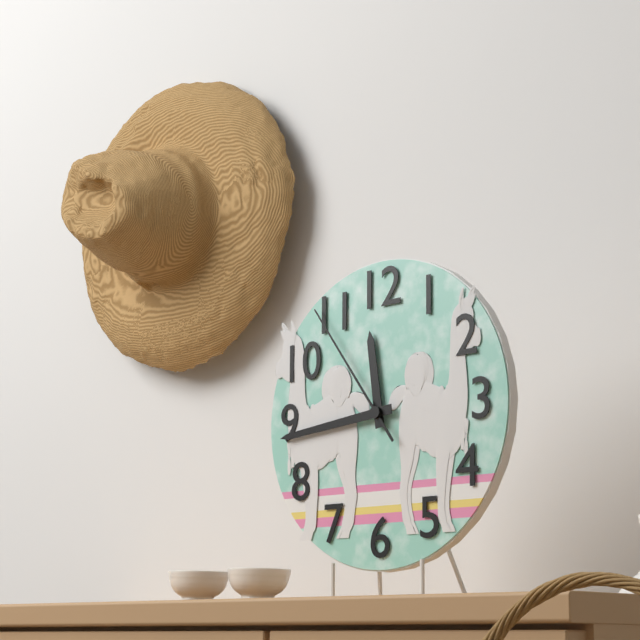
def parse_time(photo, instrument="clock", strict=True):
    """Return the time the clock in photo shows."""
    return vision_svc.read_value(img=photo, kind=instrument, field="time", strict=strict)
11:44:54
